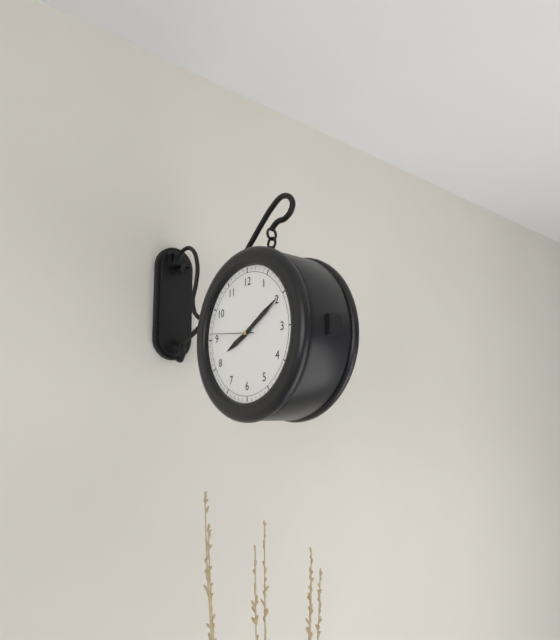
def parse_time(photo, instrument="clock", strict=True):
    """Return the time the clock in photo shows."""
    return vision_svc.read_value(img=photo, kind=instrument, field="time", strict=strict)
8:10
